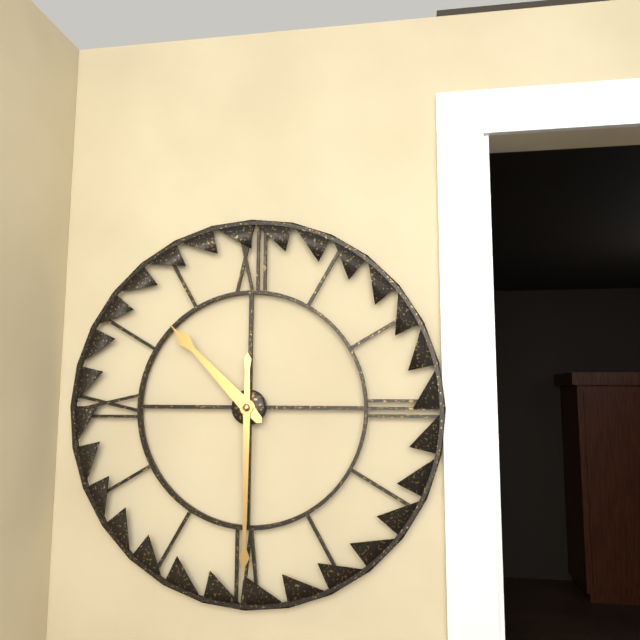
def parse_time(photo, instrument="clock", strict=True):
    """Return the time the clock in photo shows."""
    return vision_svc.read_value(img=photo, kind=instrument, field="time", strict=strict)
10:30
